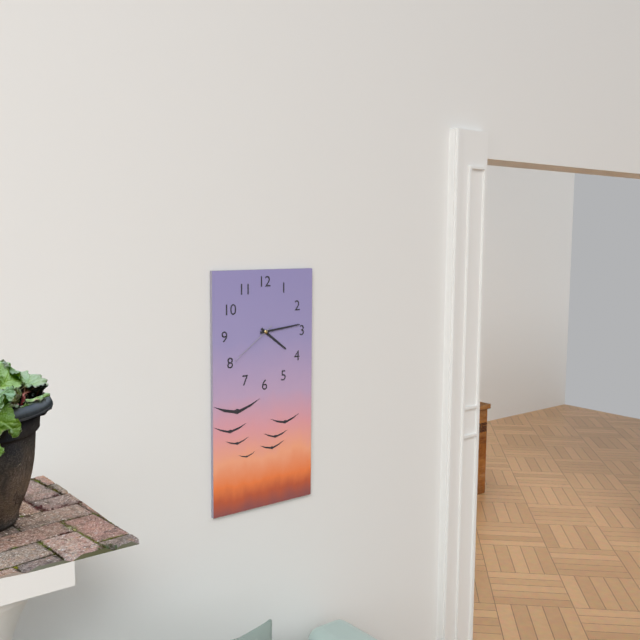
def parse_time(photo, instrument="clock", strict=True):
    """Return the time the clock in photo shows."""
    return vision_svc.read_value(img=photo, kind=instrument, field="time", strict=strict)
4:14:39
